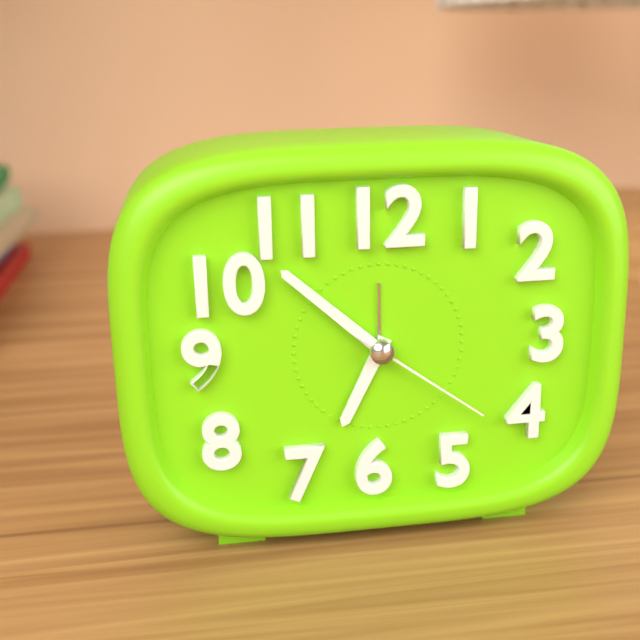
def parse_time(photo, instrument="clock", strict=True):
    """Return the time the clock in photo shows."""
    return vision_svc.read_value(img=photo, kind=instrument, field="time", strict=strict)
6:52:21
